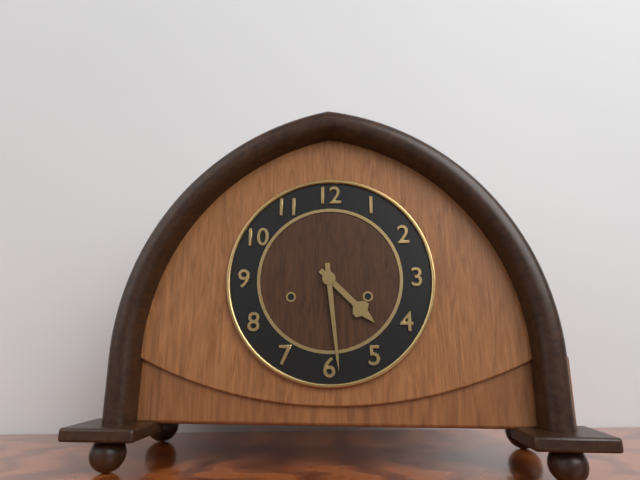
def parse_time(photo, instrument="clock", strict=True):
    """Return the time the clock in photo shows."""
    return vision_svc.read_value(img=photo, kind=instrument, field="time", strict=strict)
4:29
